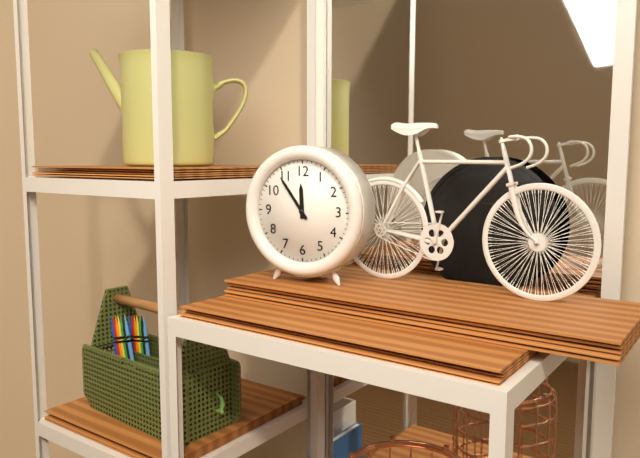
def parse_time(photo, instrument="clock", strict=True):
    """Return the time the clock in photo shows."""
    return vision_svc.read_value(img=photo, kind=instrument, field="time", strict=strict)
11:54
